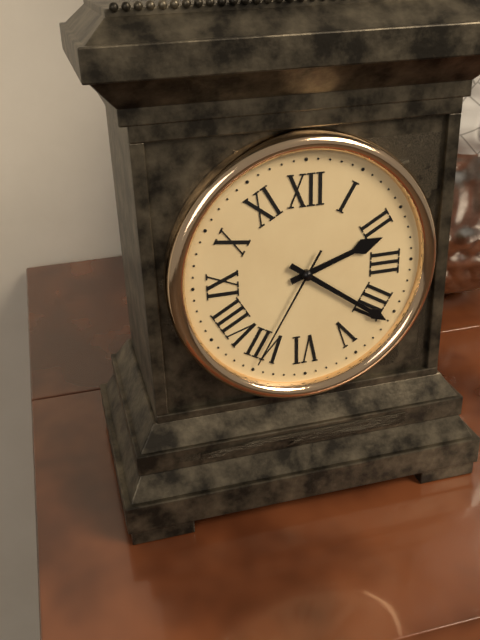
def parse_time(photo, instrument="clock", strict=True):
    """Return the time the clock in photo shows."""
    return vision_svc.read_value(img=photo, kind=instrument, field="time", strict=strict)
2:21:35
